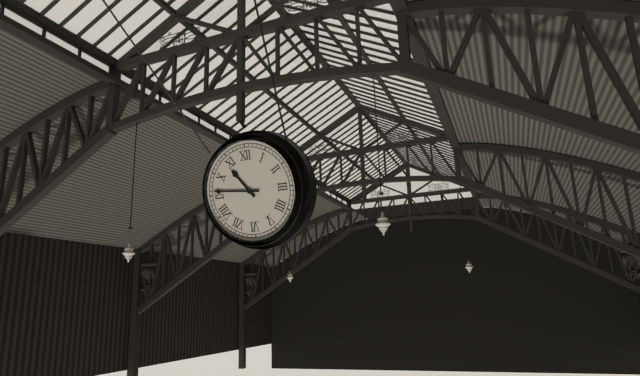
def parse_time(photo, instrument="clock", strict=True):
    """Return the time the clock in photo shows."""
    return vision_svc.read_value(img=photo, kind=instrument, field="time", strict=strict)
10:46
